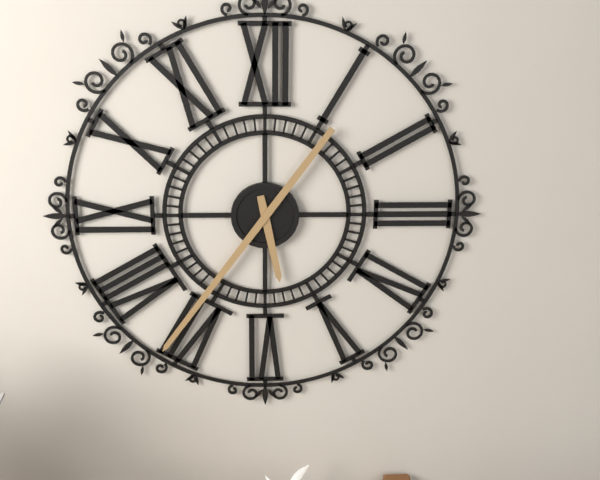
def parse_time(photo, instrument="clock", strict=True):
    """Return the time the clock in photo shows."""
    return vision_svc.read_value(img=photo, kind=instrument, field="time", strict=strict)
5:36
